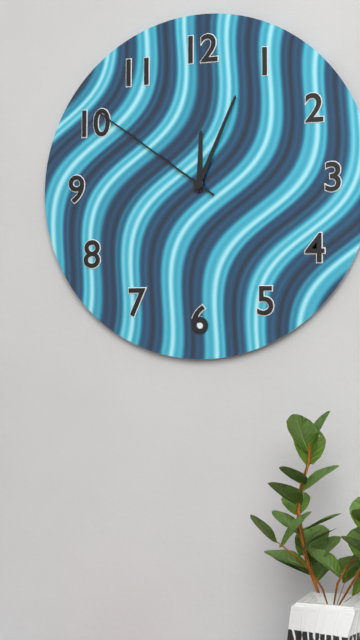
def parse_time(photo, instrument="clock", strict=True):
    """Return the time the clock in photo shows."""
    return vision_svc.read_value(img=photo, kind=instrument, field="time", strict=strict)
12:04:51
